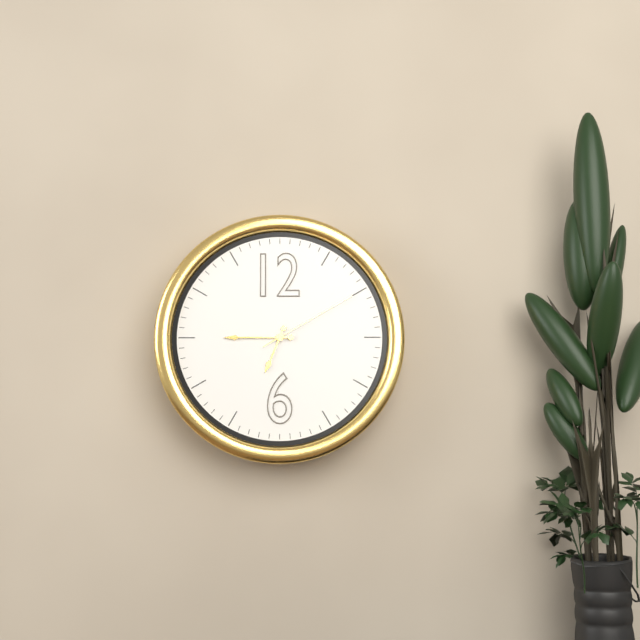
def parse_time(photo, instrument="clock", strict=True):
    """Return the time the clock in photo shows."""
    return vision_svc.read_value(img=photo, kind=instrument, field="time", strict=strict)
6:45:10
